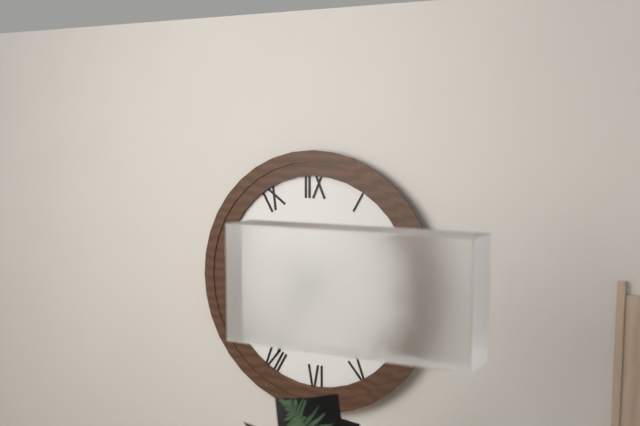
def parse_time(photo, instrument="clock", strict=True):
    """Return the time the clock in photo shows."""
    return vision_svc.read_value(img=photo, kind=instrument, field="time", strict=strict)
10:35
